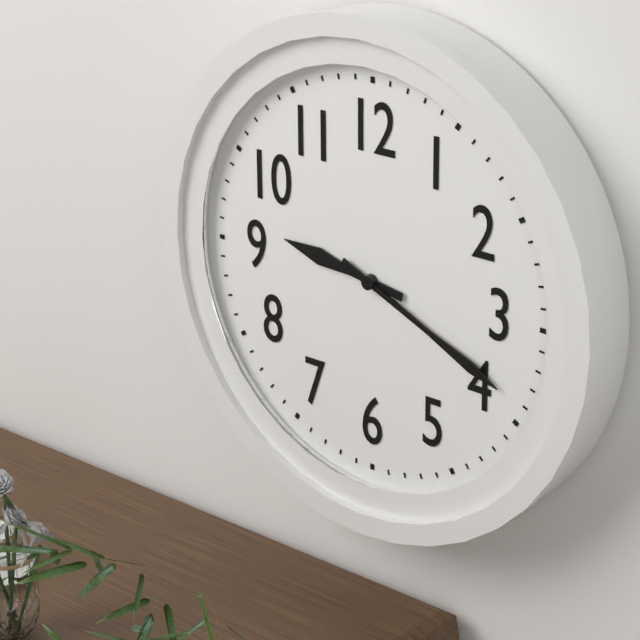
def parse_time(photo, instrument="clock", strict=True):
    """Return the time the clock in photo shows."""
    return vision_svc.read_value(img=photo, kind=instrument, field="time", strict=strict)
9:19
